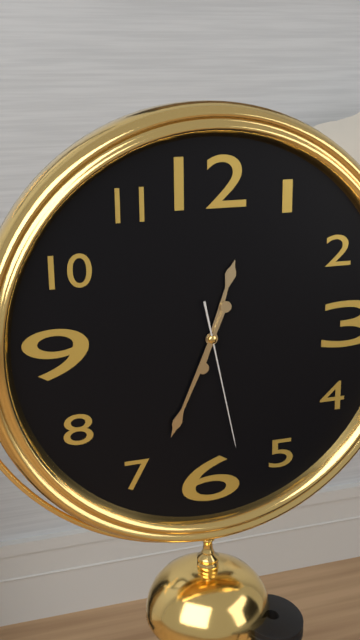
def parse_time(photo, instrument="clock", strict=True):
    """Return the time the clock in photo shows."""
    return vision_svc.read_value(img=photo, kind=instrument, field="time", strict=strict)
12:34:28
